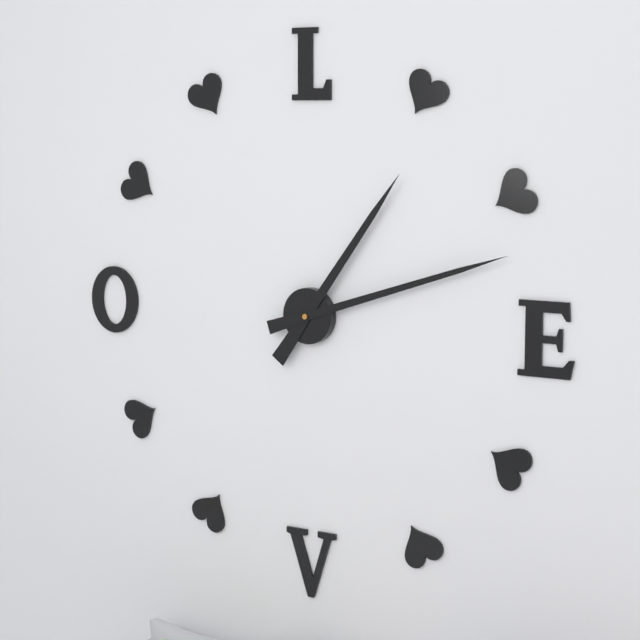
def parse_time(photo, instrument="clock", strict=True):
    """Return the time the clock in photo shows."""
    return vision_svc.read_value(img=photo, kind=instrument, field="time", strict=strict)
1:12
